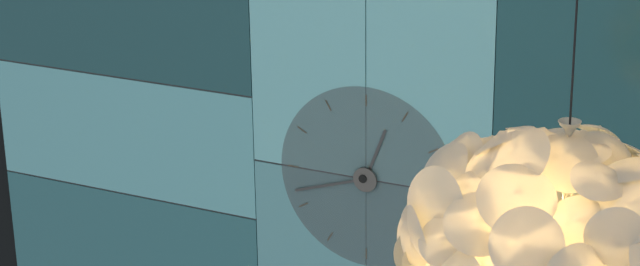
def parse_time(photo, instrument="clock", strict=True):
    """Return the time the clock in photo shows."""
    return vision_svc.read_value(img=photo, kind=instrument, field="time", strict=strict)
12:42
